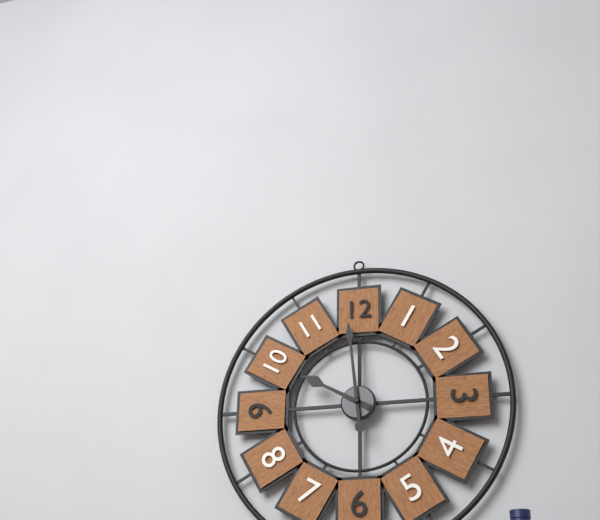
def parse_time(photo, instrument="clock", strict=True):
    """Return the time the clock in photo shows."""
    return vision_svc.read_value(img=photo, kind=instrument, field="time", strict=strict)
9:59
